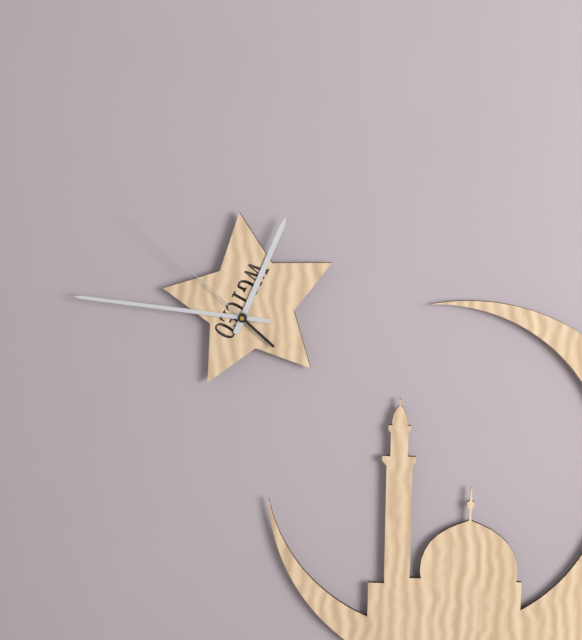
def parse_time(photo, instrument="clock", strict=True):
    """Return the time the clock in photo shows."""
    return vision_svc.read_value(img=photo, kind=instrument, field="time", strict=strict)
12:46:52
